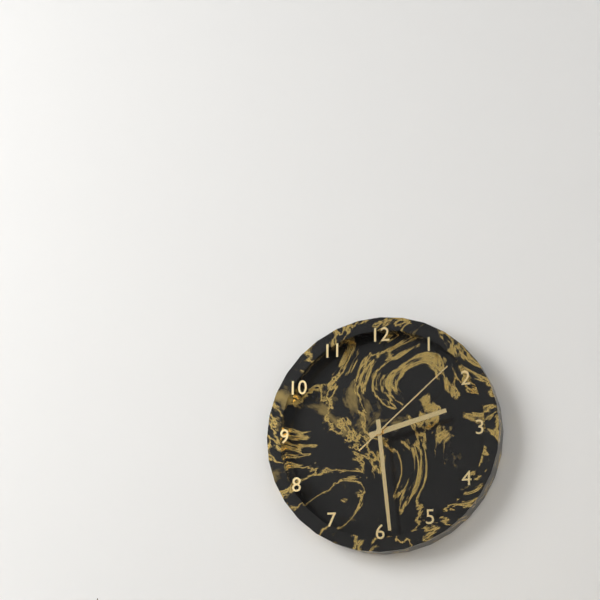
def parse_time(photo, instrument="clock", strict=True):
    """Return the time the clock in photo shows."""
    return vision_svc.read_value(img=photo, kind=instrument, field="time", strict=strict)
2:29:08
